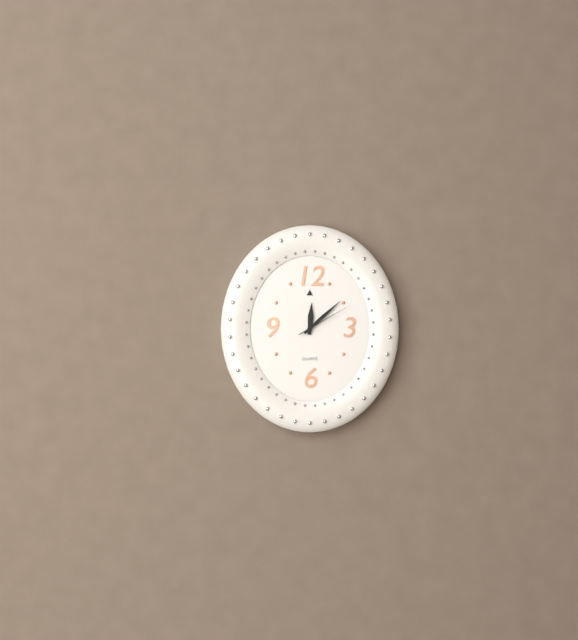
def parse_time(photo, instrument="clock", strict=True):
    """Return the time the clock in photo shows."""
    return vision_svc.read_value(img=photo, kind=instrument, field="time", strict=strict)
12:08:10
